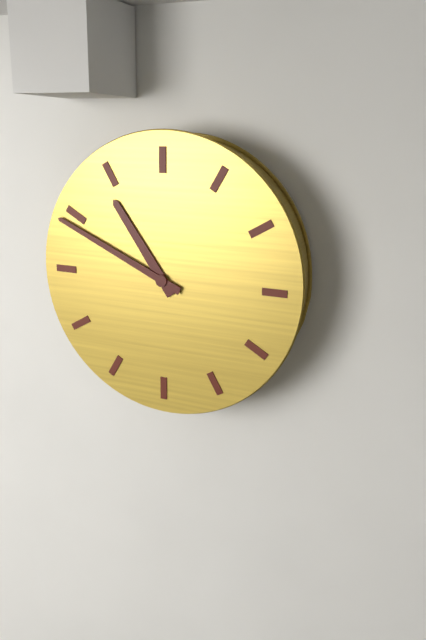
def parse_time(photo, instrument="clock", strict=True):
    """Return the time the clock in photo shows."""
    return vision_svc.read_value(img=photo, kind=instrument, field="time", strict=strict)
10:49
